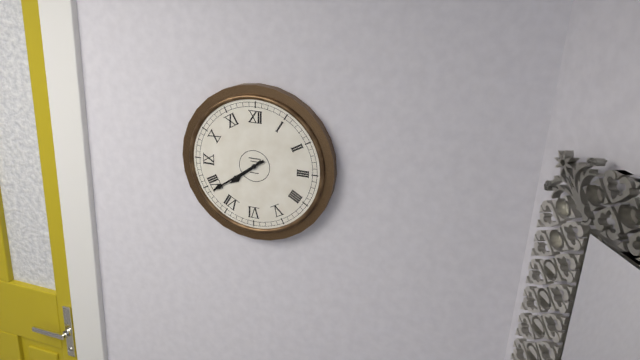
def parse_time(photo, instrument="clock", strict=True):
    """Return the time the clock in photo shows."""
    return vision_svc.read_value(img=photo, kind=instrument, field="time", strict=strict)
7:39
